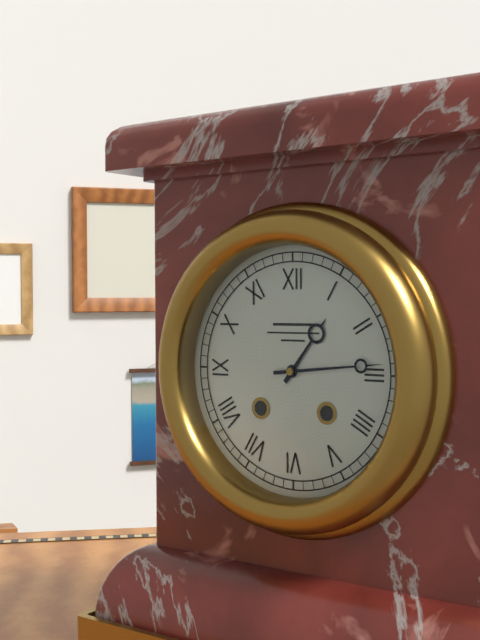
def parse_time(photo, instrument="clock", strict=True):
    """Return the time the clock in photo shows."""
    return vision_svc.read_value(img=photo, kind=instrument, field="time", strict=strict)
1:14
